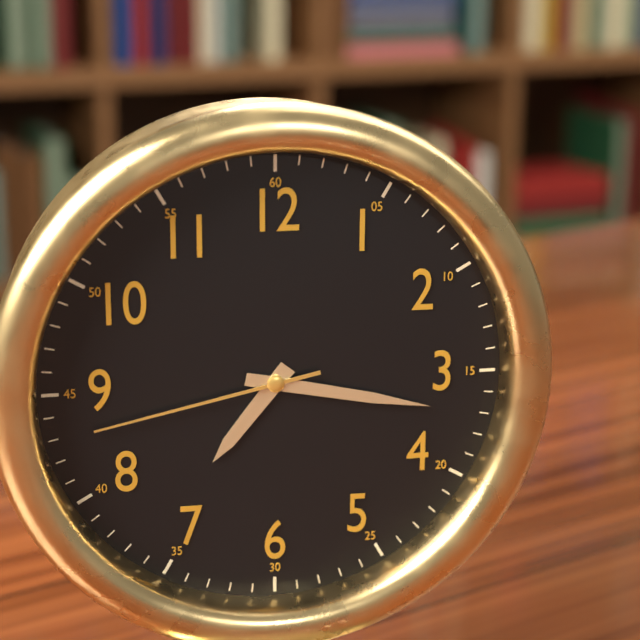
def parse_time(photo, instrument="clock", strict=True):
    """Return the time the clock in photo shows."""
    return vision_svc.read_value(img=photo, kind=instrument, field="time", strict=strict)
7:17:43
